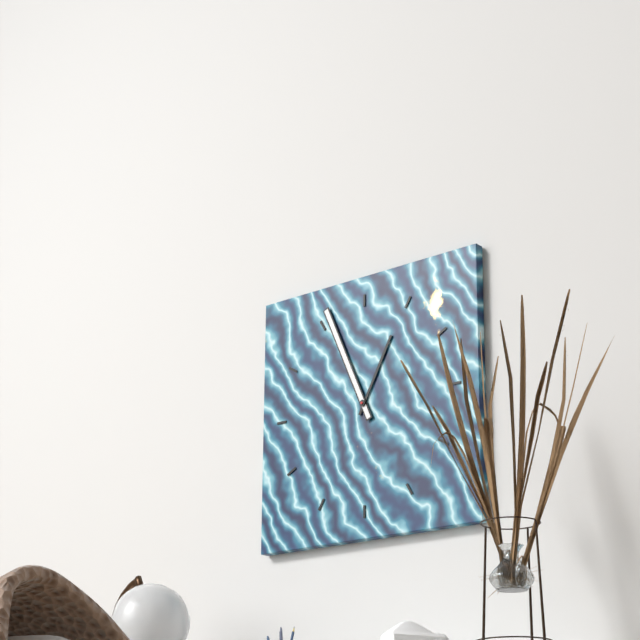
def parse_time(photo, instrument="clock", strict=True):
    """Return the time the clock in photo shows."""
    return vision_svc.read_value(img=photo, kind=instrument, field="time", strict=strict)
12:56
